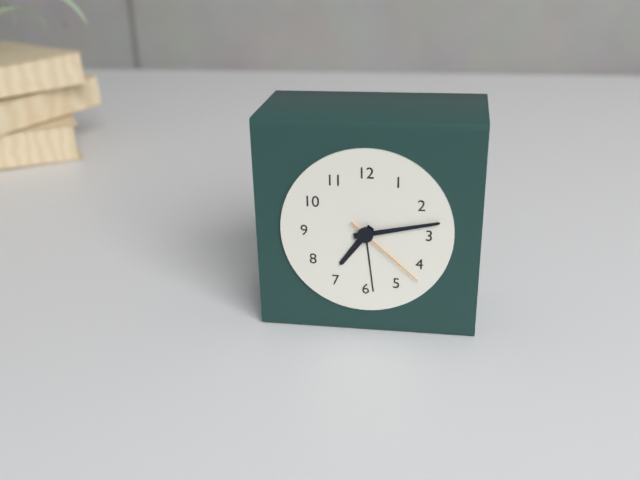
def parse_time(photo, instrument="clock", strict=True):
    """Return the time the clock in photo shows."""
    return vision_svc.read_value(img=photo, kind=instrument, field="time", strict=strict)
7:13:22
